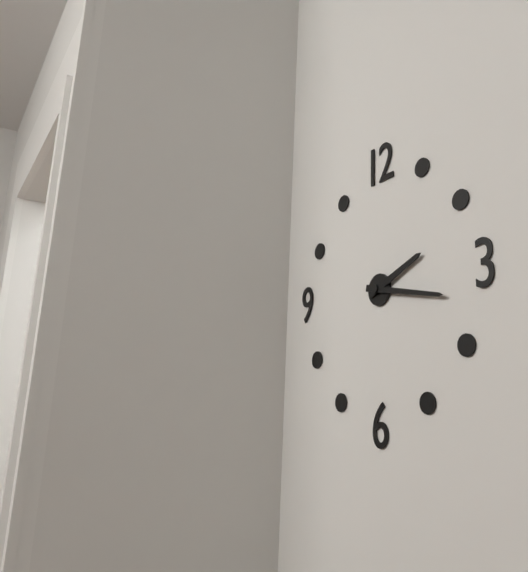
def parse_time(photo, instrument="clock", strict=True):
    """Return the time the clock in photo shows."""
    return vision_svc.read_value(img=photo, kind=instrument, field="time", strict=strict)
2:17
